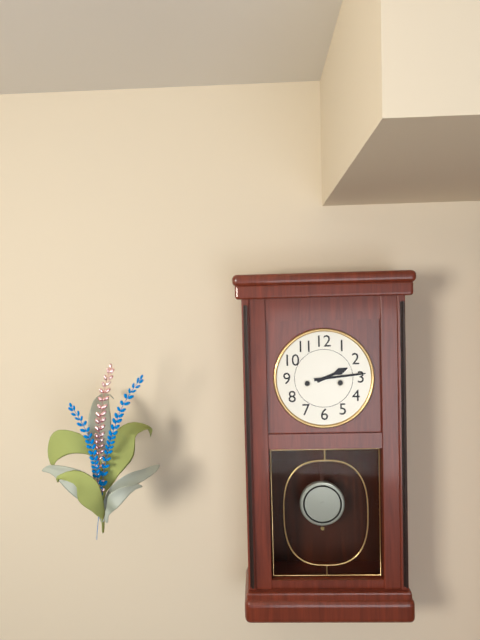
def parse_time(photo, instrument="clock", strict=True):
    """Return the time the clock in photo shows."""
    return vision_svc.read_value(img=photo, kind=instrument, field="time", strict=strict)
2:14
